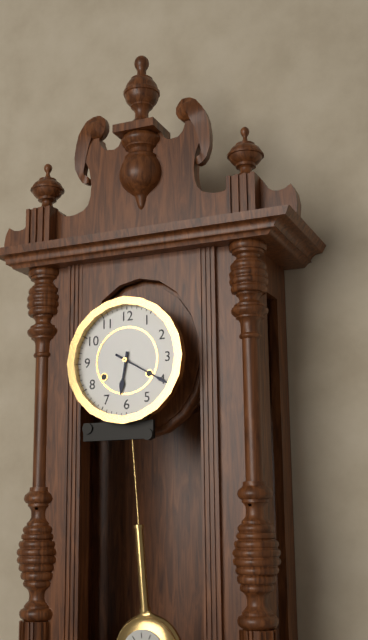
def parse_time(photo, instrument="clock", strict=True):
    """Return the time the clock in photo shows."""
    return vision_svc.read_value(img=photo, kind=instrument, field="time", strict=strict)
6:20
